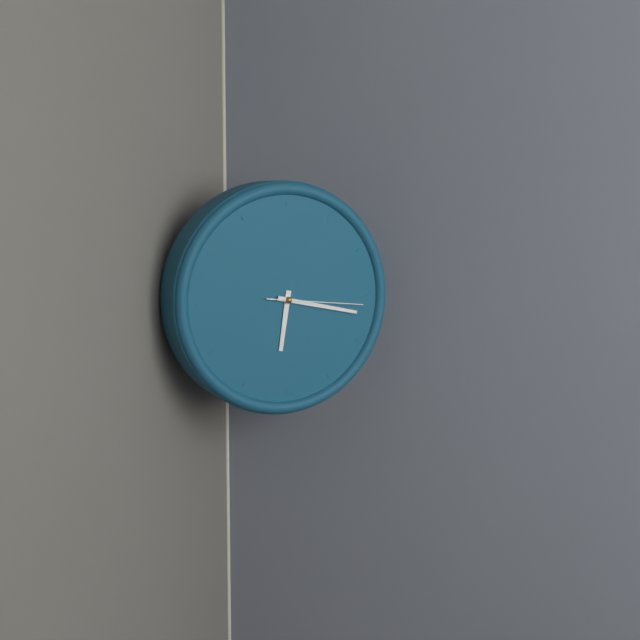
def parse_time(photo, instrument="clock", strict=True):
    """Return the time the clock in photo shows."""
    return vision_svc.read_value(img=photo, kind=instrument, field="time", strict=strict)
6:17:16
